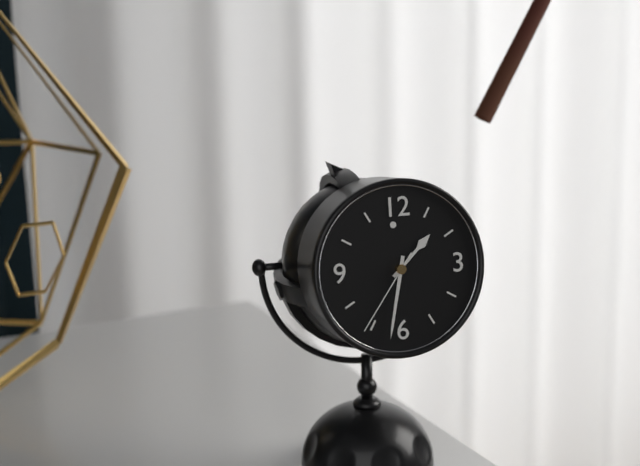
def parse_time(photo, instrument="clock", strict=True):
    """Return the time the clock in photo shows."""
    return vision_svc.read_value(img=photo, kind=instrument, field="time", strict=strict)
1:32:36
